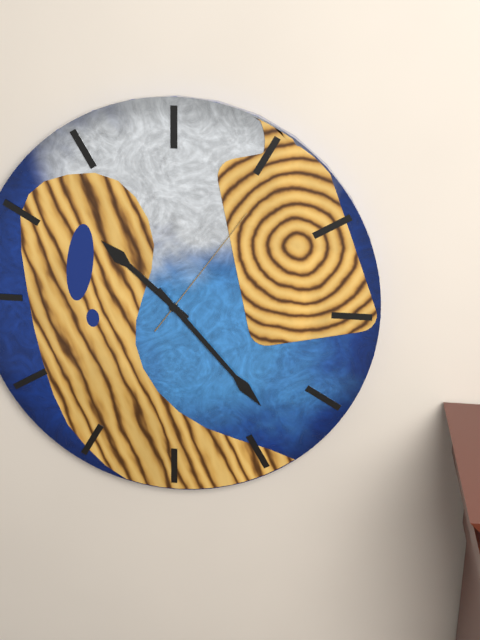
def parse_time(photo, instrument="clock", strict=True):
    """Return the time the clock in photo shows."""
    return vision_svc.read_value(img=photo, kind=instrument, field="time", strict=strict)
10:23:06
